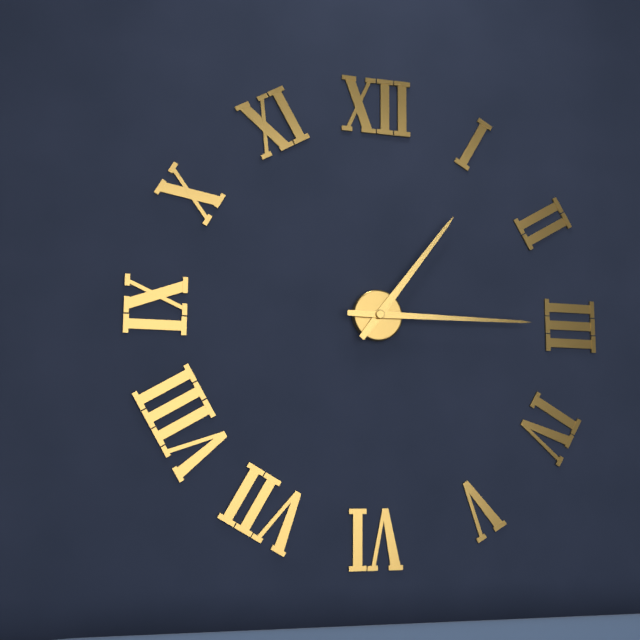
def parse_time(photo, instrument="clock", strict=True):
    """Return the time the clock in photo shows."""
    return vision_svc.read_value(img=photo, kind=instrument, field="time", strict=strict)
1:15
